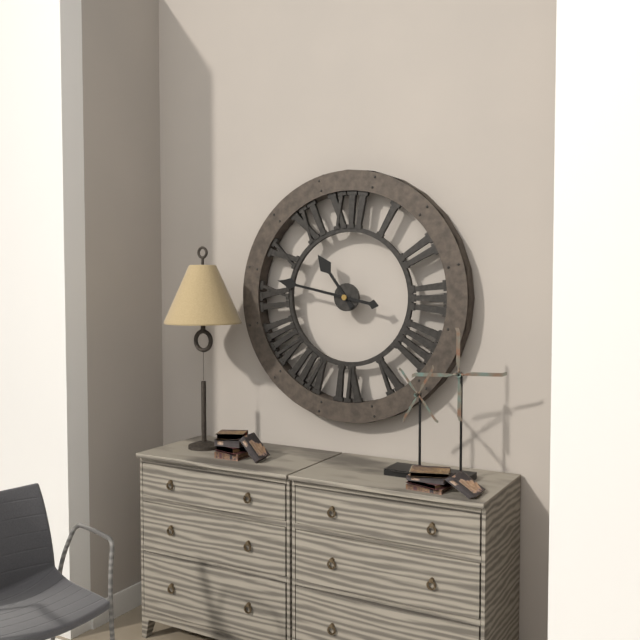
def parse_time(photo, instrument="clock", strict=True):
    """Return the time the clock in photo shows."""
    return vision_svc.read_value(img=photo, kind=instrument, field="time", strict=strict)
10:47
